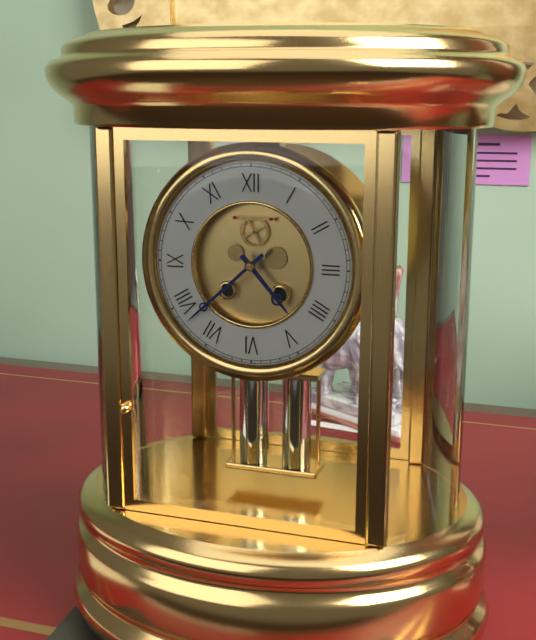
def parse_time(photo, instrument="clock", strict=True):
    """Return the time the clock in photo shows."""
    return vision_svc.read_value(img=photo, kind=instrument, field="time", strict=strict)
4:38
